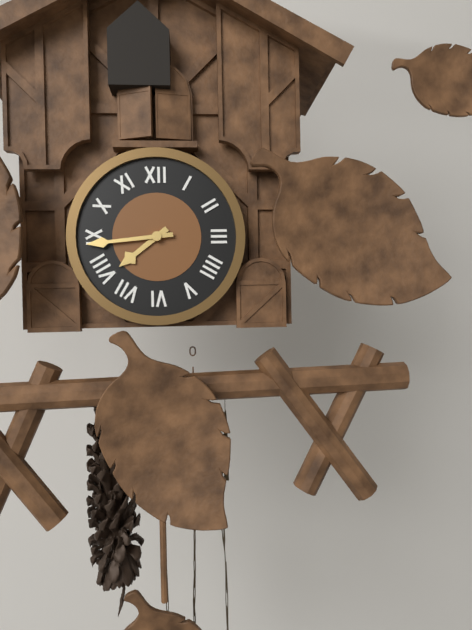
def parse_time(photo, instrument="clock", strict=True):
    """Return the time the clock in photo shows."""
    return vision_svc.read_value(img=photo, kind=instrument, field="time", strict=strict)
7:44
